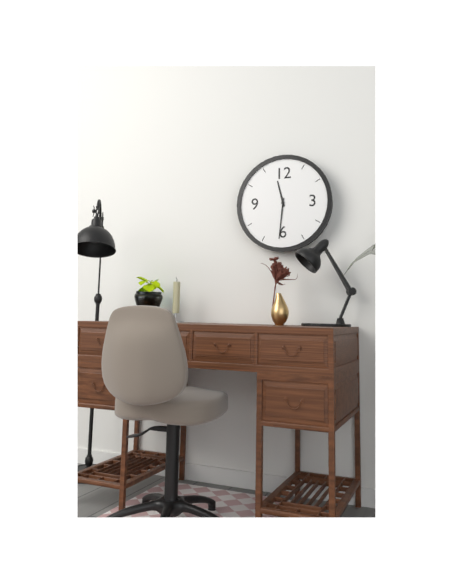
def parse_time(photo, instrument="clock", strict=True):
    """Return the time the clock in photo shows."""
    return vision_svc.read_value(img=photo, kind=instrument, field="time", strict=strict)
11:31
